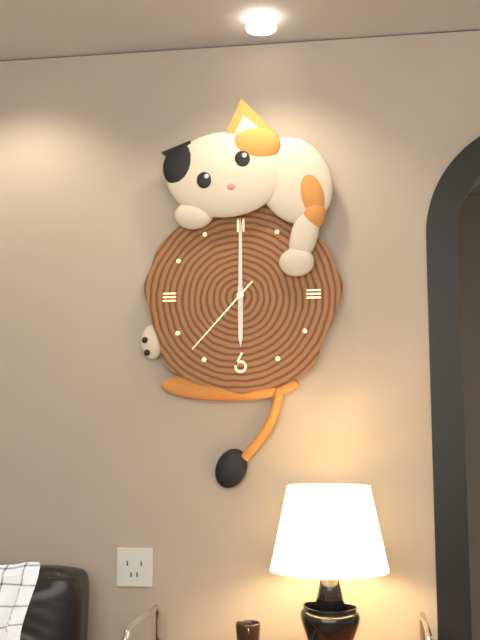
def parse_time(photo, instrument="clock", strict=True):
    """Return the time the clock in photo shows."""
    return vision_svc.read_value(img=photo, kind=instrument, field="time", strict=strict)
6:00:37
